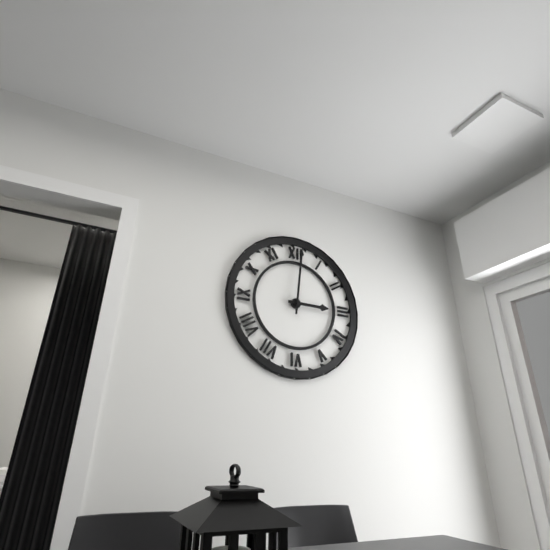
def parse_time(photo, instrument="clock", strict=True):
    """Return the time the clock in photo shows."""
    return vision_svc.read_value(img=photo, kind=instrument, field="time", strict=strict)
3:01
